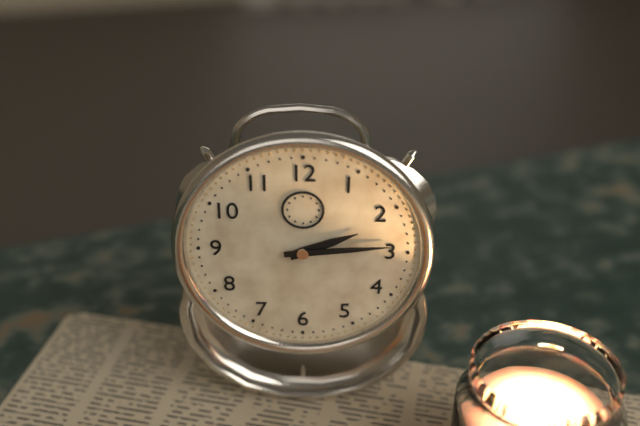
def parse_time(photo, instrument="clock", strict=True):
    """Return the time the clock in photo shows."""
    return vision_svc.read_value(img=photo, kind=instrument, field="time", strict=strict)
2:14
